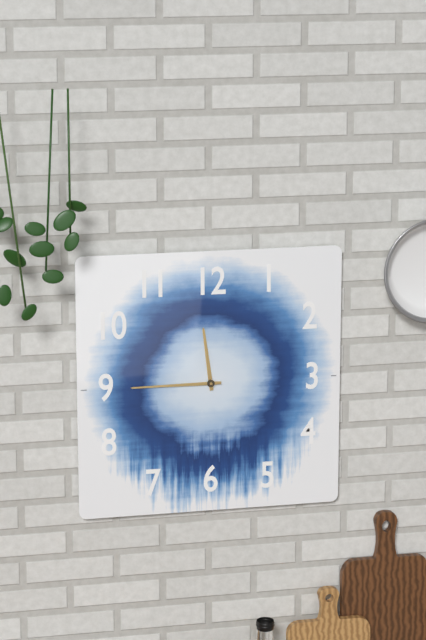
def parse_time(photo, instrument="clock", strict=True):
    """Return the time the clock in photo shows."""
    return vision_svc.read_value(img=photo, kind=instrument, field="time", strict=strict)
11:45
